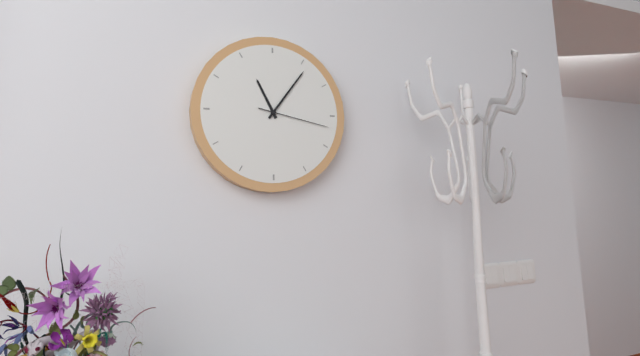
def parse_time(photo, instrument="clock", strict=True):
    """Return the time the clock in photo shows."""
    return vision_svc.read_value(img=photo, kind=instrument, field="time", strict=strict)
11:06:17
